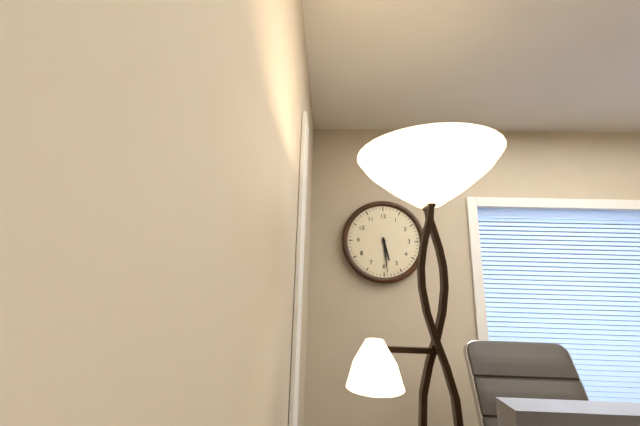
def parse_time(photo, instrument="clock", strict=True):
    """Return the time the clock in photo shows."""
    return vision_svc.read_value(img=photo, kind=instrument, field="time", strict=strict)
5:29
